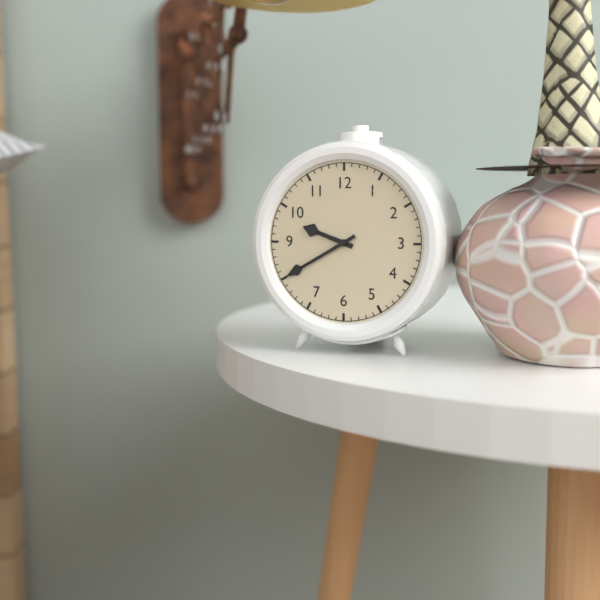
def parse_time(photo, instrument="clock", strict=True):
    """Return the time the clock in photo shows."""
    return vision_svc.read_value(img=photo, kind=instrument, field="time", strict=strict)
9:40
